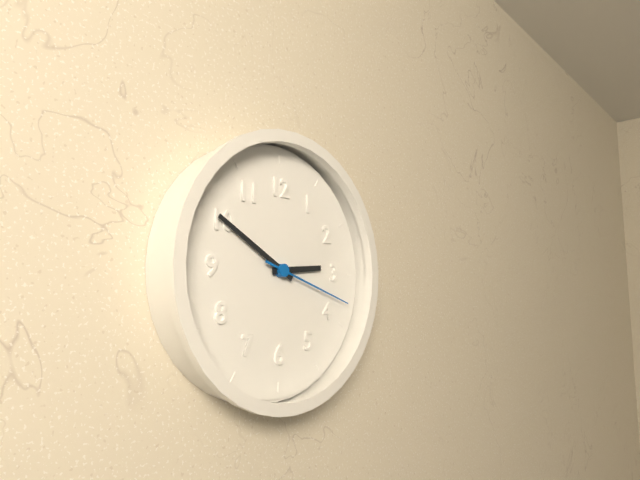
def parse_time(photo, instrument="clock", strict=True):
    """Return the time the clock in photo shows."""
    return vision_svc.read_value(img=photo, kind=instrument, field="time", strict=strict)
2:50:18
